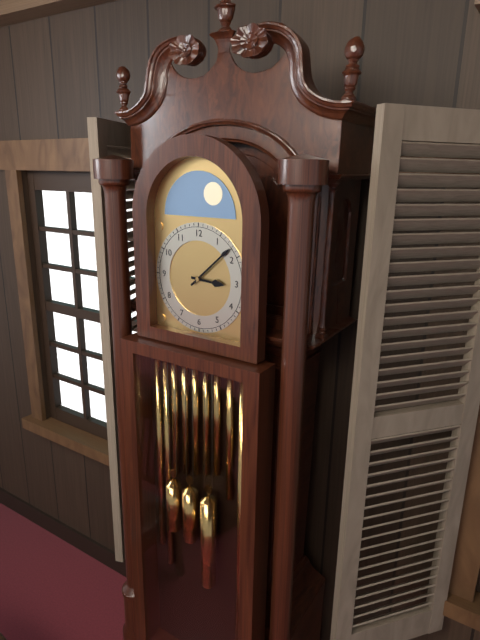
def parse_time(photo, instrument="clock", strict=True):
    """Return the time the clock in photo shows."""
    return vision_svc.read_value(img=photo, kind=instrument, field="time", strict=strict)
3:08
